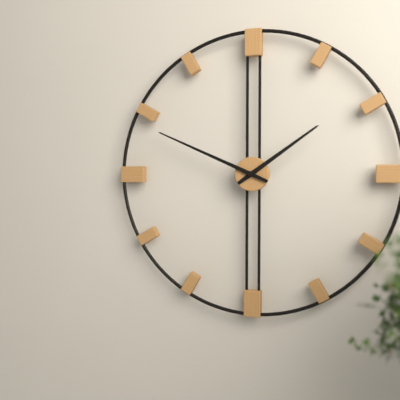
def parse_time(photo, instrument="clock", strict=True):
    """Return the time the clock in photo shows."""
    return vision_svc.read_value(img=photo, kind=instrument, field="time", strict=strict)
1:49
